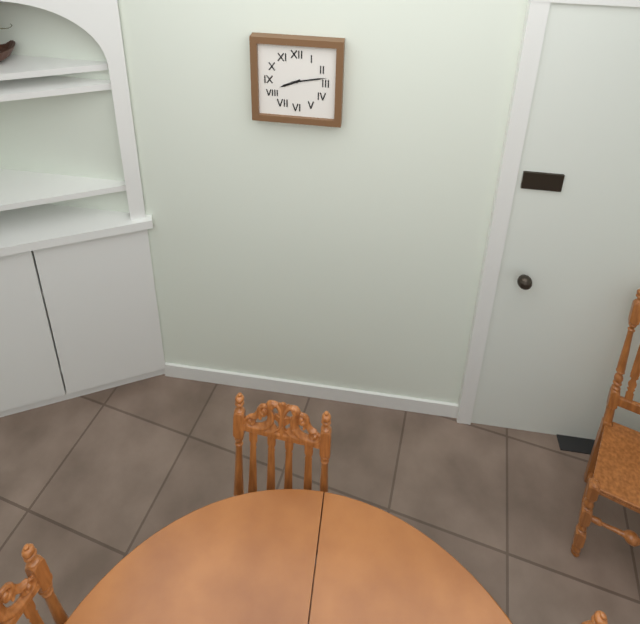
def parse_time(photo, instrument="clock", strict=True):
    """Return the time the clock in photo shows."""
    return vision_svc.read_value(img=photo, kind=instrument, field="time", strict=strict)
8:13
